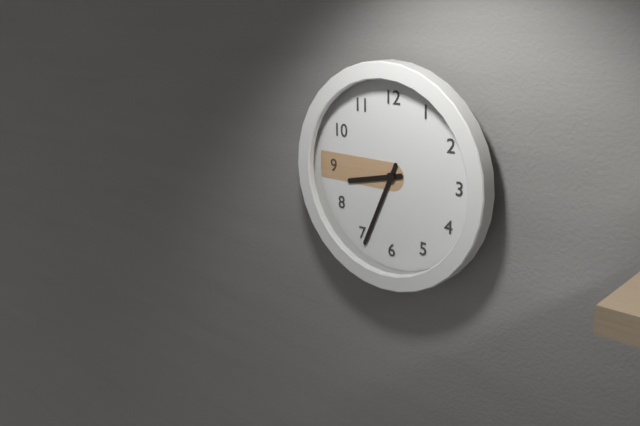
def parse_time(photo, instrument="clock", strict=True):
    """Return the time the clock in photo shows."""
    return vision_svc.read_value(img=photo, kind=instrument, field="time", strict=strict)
8:34
